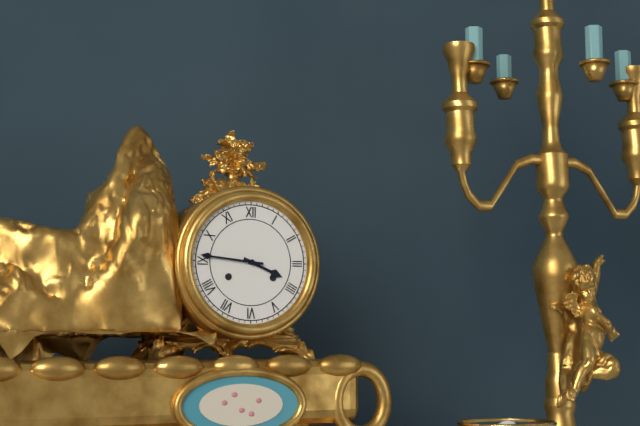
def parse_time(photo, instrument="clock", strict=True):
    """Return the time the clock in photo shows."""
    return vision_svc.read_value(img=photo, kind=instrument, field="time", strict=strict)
3:46
